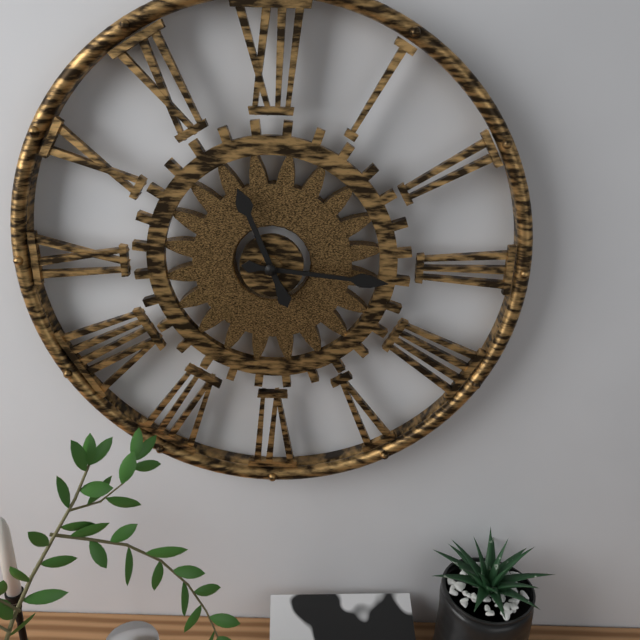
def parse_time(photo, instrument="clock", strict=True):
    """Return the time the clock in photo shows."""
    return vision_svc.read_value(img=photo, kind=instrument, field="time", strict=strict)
11:16
